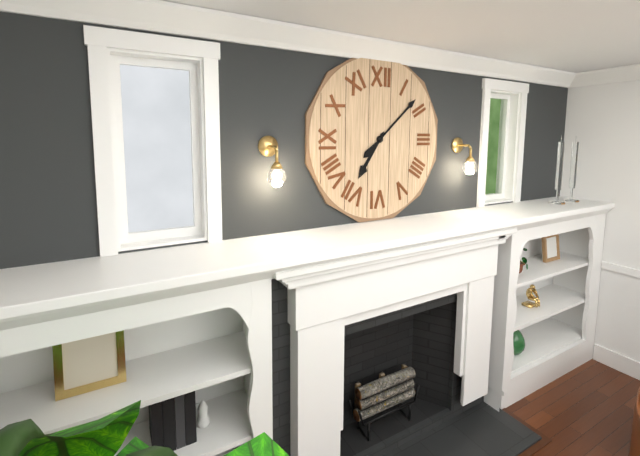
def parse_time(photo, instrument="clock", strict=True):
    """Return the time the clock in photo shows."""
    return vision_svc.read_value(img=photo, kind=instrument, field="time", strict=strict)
7:08
